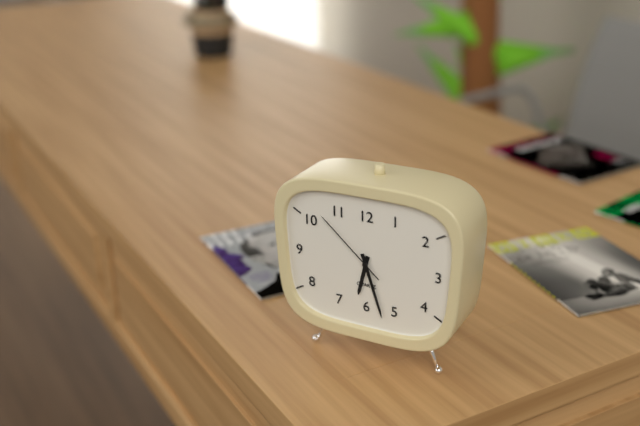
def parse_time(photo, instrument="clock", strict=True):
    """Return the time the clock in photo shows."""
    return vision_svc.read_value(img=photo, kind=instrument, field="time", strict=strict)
6:27:52
